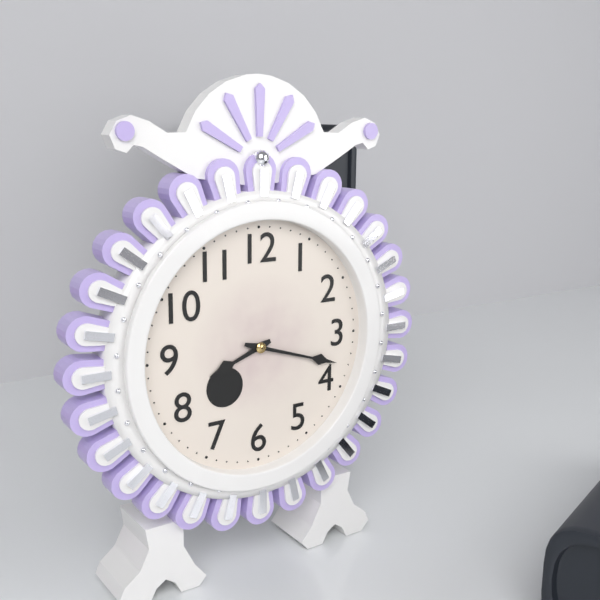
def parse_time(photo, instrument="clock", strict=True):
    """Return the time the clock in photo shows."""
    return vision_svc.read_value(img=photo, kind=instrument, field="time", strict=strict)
8:18
